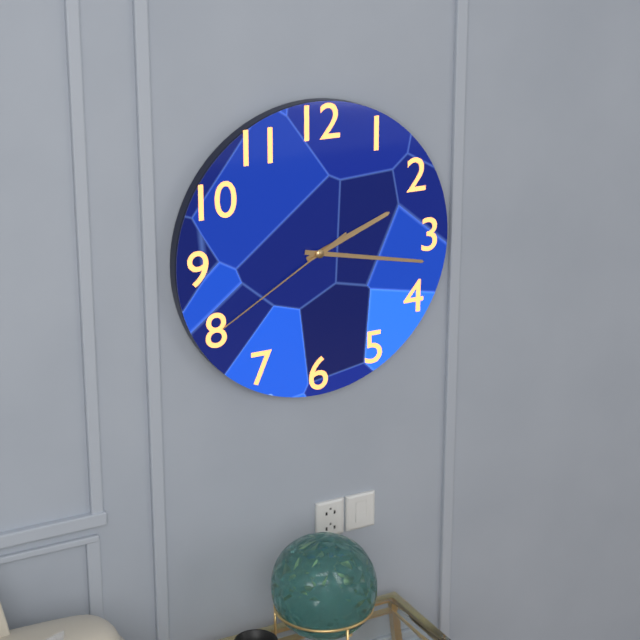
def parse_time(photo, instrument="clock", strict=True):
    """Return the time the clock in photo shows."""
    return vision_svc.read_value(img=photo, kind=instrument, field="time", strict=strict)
2:17:40
